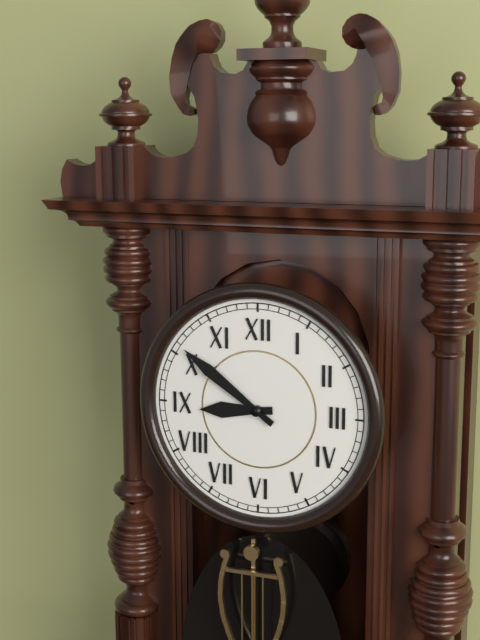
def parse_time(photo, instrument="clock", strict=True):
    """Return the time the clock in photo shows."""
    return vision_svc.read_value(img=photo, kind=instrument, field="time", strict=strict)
8:51
